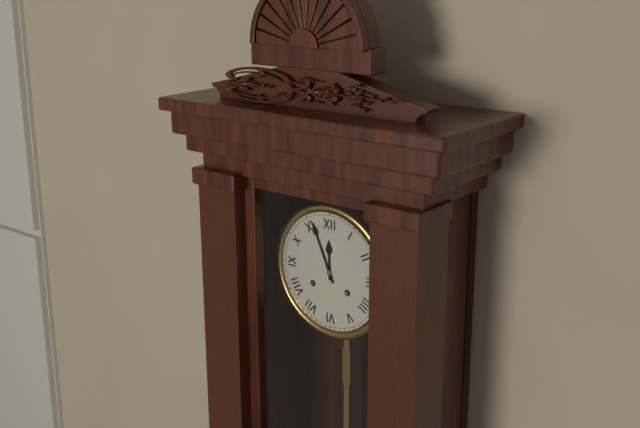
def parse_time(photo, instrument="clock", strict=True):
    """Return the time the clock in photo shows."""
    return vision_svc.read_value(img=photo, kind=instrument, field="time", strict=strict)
11:56
